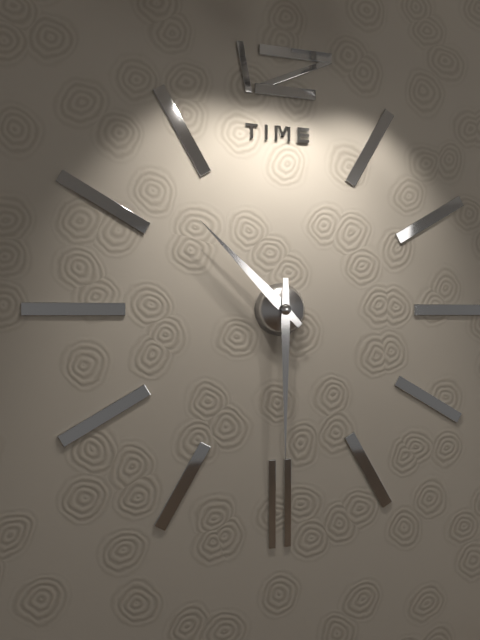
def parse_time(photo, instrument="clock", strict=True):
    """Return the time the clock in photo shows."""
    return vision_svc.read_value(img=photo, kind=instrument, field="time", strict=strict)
10:30
